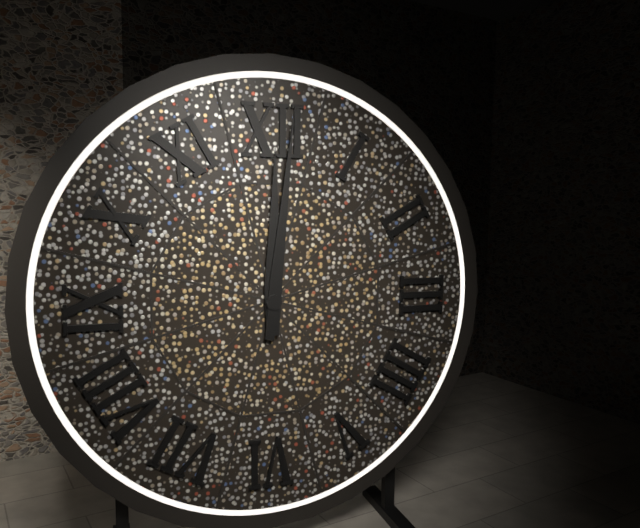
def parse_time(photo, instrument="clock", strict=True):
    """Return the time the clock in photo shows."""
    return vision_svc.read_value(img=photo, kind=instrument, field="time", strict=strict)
12:01
